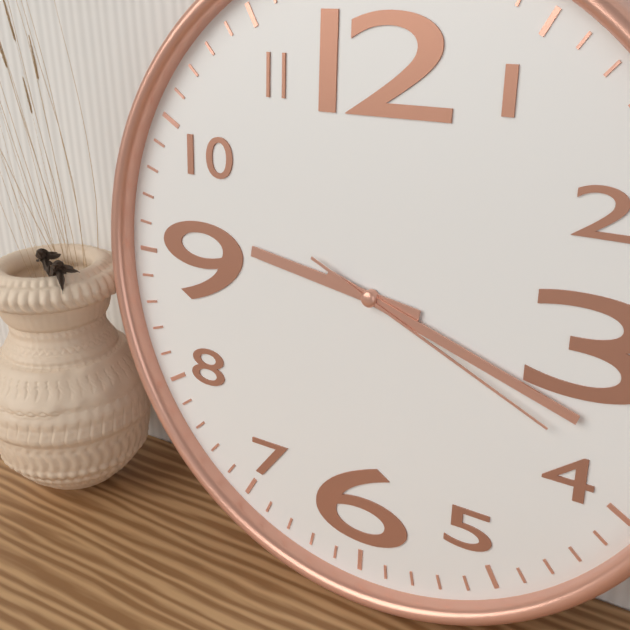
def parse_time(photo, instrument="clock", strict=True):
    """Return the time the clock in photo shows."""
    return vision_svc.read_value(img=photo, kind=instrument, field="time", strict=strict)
9:18:19
